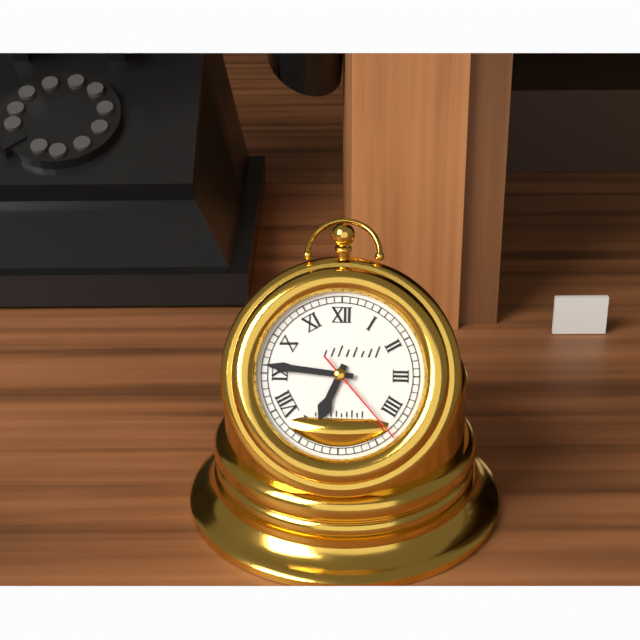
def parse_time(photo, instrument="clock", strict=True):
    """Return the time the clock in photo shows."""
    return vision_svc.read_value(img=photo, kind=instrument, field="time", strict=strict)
6:46:23
